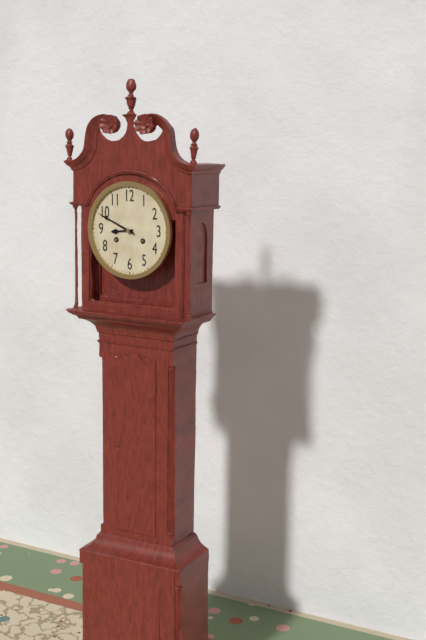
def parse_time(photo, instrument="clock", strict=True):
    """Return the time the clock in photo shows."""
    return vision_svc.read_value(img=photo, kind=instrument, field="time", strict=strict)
8:49
